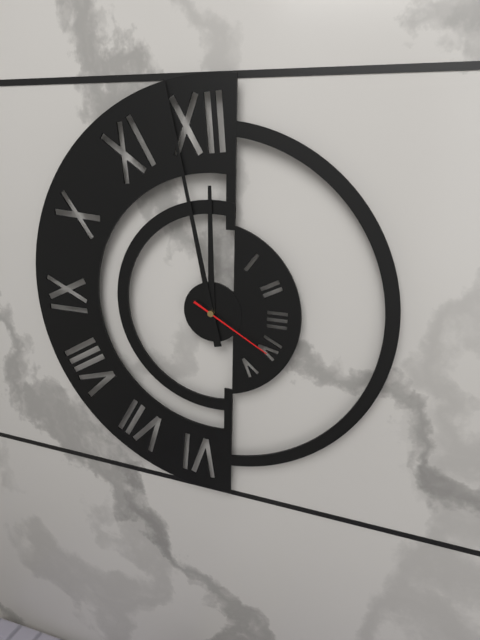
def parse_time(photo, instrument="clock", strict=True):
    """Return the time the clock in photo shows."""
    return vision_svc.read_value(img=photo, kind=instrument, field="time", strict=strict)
11:58:20
